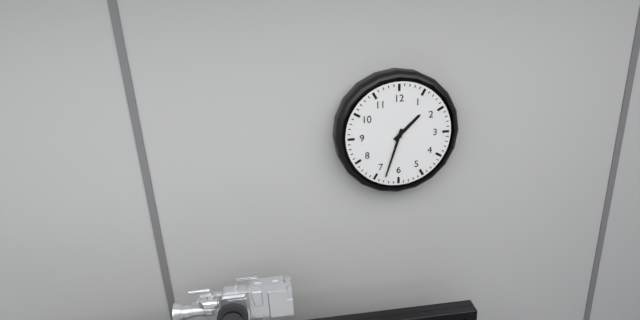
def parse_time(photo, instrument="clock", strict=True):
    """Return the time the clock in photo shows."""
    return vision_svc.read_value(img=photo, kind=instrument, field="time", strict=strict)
1:33
